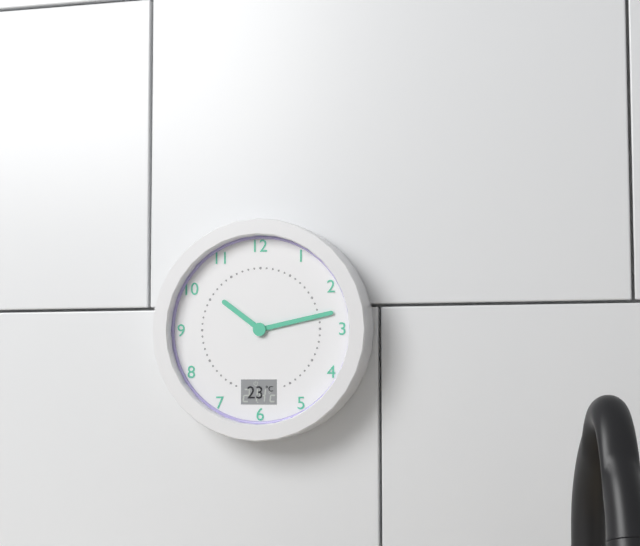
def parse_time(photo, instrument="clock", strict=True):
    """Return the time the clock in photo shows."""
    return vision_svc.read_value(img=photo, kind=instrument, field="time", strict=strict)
10:13
